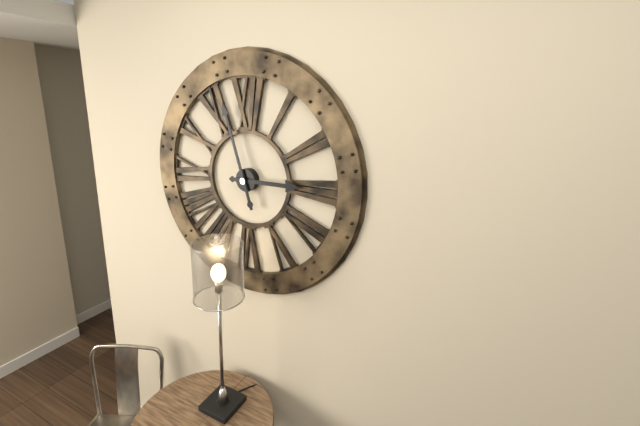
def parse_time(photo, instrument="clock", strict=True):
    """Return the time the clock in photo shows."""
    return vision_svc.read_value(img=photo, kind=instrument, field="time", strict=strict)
2:57
